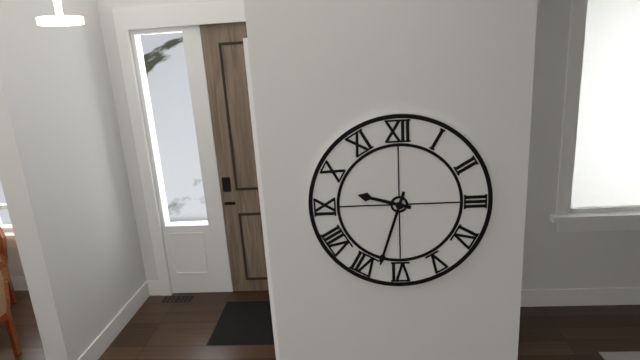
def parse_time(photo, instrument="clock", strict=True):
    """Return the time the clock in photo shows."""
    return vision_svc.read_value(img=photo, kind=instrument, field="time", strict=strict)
9:33
